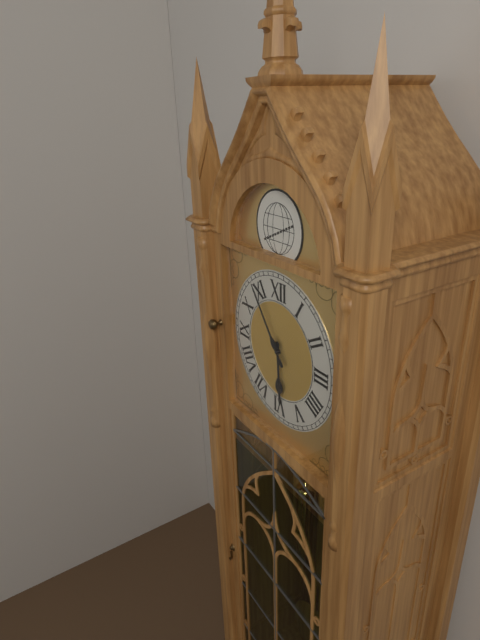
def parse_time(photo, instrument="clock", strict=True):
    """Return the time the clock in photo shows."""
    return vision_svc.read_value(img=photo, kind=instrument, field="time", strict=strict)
5:54
